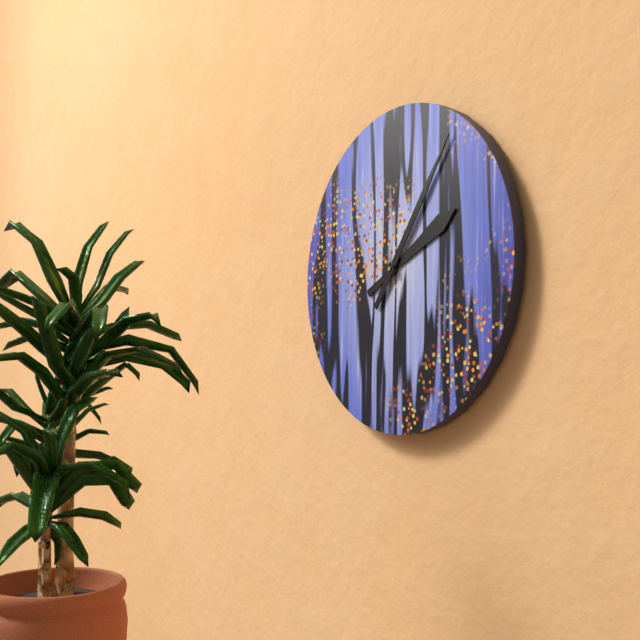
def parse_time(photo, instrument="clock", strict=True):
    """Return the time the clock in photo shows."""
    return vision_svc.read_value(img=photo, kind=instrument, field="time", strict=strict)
2:06
